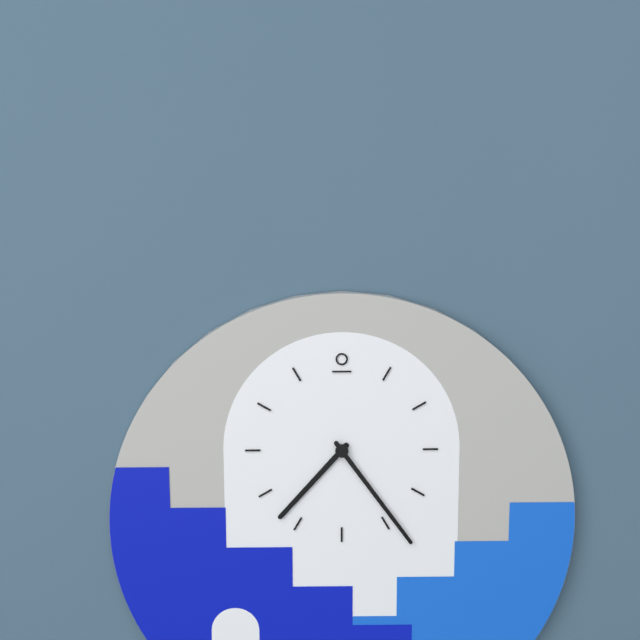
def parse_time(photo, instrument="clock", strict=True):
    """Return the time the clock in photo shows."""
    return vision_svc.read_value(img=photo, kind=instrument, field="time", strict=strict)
7:24
